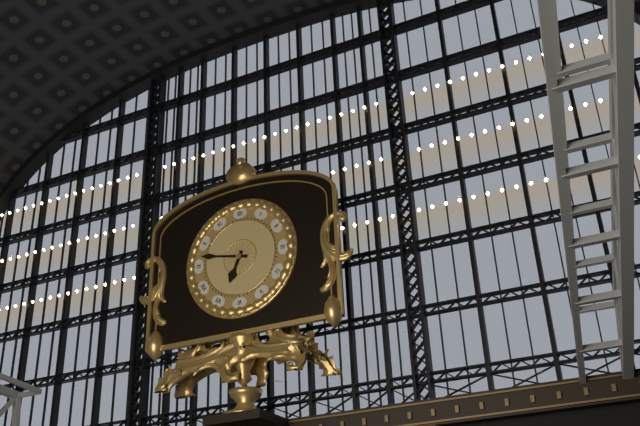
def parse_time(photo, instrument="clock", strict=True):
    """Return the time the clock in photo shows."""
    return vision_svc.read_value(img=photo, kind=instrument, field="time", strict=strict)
6:47
